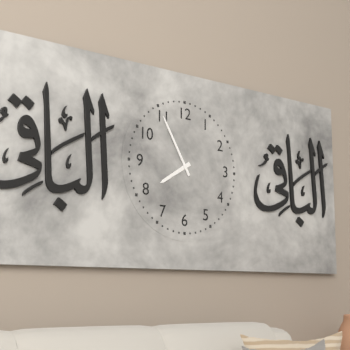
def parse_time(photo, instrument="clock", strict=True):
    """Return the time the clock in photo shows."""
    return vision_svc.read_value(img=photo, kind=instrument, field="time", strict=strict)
7:55
